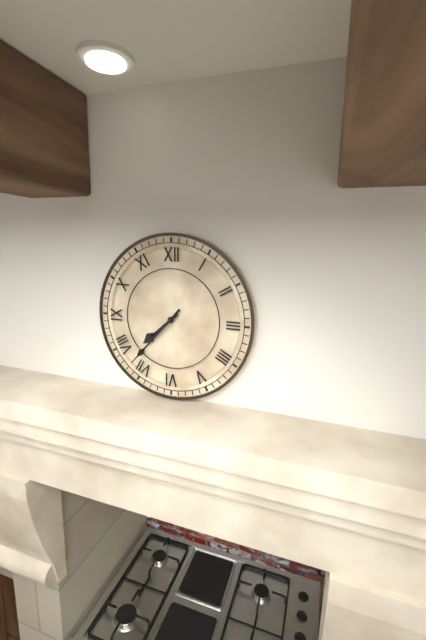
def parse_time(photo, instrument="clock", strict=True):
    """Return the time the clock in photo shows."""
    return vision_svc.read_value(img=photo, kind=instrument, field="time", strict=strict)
7:37
